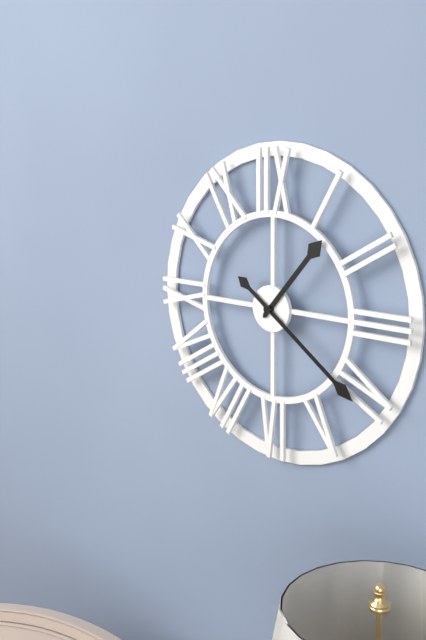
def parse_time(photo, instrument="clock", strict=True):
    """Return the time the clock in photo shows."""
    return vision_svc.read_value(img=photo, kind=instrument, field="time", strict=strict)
1:21
